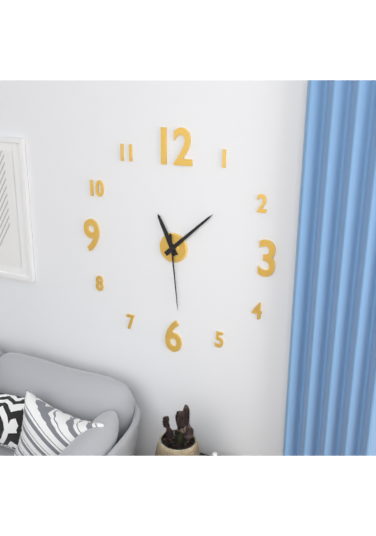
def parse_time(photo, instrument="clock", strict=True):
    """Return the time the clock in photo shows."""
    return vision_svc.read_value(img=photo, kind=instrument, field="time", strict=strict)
11:08:29
